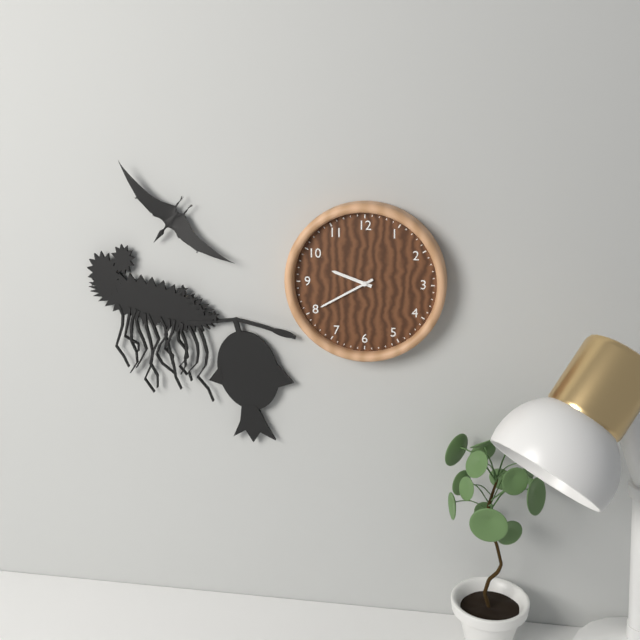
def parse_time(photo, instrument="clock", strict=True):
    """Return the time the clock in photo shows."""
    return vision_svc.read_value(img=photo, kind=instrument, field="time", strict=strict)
9:40
